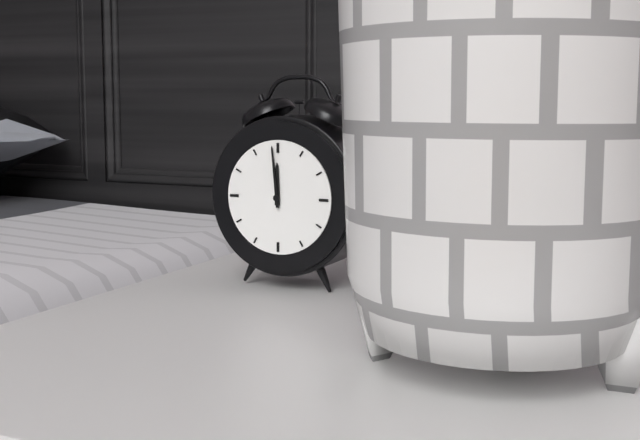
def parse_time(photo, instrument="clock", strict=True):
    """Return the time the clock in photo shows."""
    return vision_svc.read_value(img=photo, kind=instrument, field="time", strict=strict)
11:59
